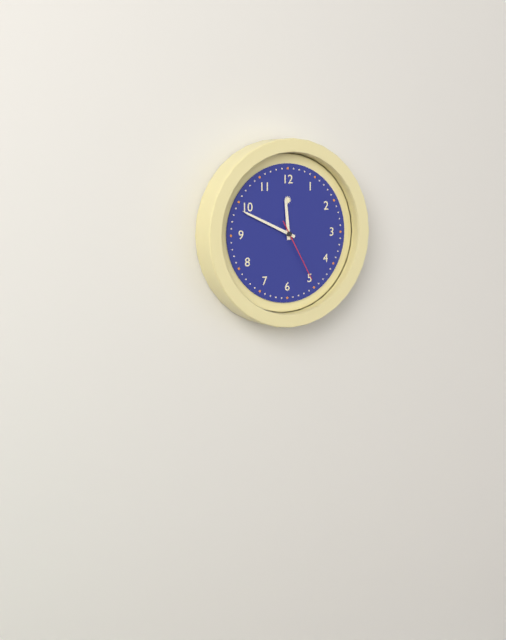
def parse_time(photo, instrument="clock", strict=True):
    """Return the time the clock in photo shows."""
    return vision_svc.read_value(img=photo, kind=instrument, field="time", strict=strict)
11:49:25
